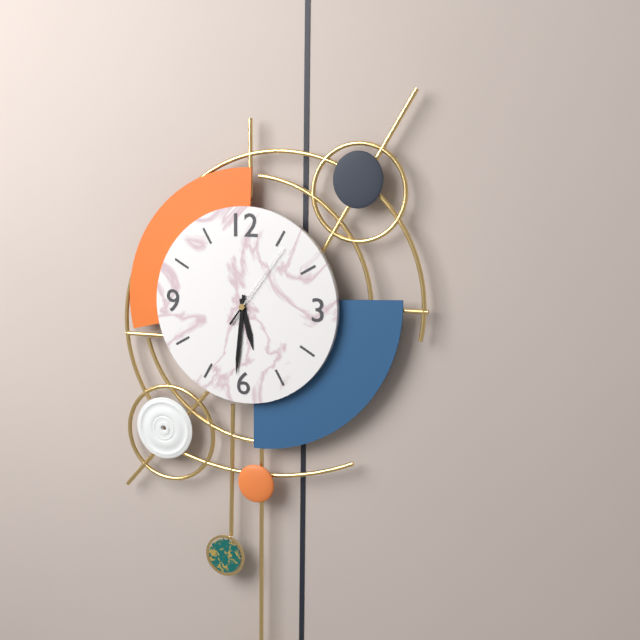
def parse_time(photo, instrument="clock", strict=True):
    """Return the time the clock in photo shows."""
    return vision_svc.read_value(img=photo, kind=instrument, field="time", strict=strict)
5:31:06
